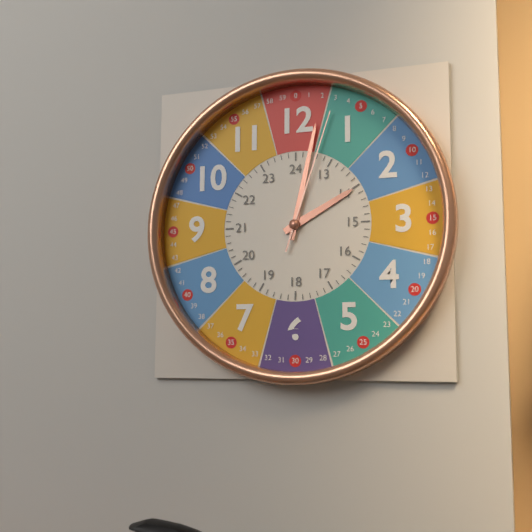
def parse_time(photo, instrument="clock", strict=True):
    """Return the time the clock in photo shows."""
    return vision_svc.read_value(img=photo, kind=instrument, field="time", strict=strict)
2:02:03
